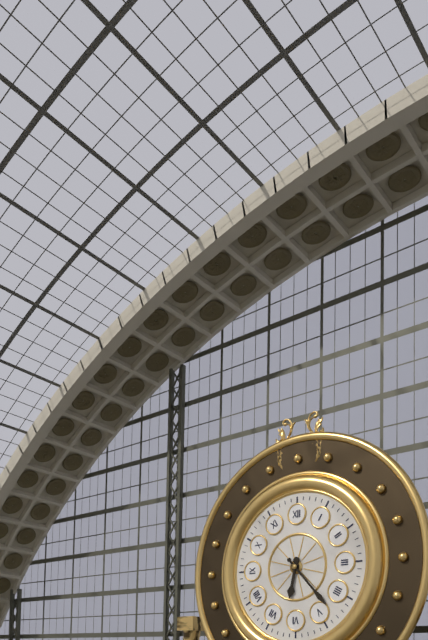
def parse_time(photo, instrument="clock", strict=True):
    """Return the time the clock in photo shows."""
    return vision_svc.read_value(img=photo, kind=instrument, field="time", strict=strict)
6:23
